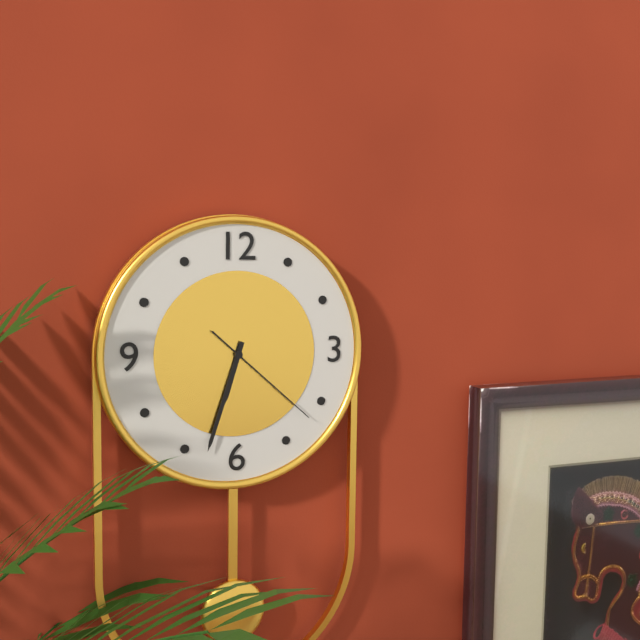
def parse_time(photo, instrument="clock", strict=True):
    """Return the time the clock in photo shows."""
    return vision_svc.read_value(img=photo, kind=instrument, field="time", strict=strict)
6:33:22
